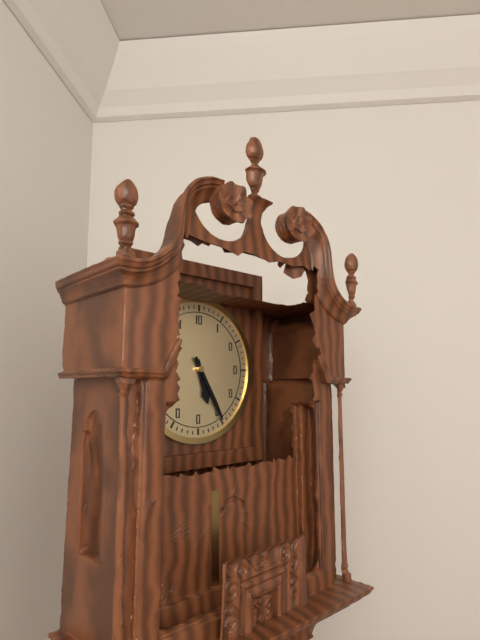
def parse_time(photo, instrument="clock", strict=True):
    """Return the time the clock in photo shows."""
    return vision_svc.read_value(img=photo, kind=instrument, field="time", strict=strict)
5:25
